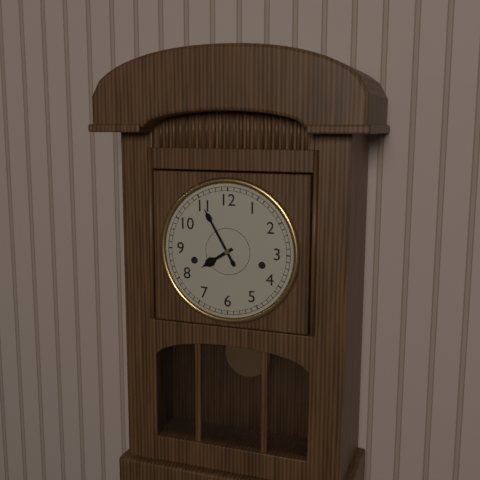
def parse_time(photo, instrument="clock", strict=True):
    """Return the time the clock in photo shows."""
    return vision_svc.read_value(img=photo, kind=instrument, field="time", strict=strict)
7:55
